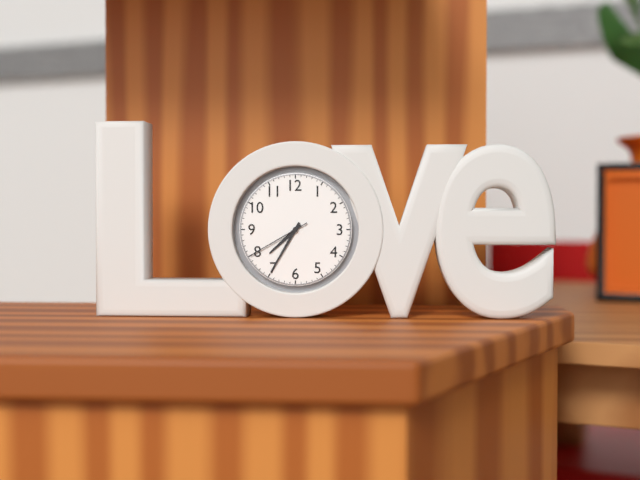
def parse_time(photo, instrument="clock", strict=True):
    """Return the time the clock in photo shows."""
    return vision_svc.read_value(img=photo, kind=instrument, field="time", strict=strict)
7:35:40
